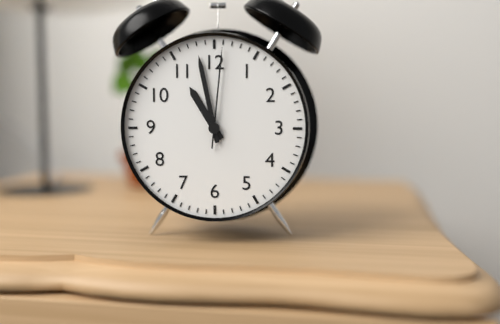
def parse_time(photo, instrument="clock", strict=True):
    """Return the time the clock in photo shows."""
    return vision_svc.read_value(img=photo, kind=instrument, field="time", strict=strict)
10:58:01
